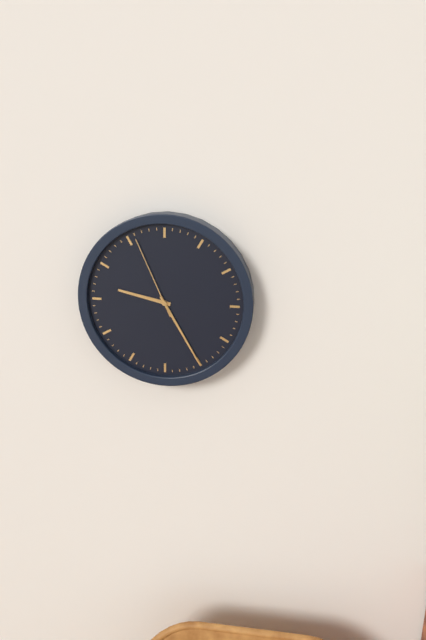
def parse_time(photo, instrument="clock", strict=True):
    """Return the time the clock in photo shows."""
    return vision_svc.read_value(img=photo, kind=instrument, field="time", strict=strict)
9:25:56
